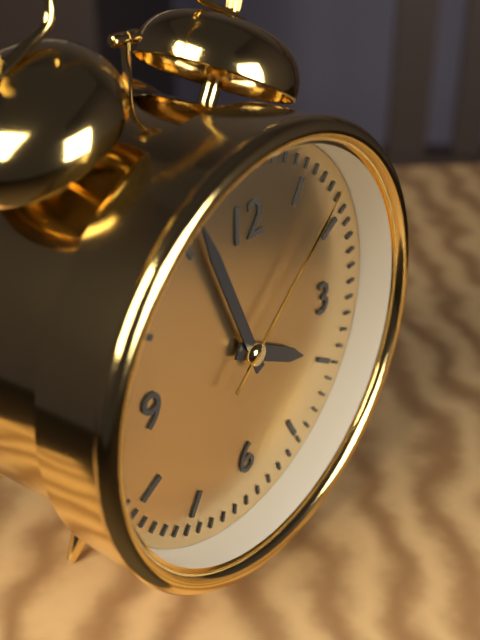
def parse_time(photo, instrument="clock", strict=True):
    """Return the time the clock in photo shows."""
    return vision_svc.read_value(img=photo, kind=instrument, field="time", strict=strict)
3:56:08
